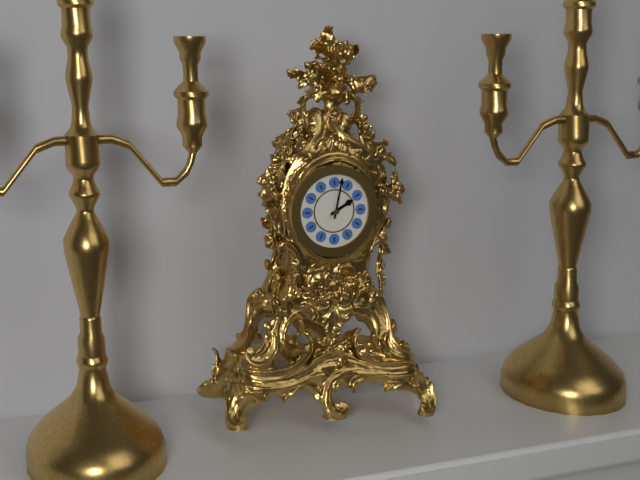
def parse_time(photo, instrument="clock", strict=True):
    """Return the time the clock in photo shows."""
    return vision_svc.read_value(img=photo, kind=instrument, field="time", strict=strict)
2:02
